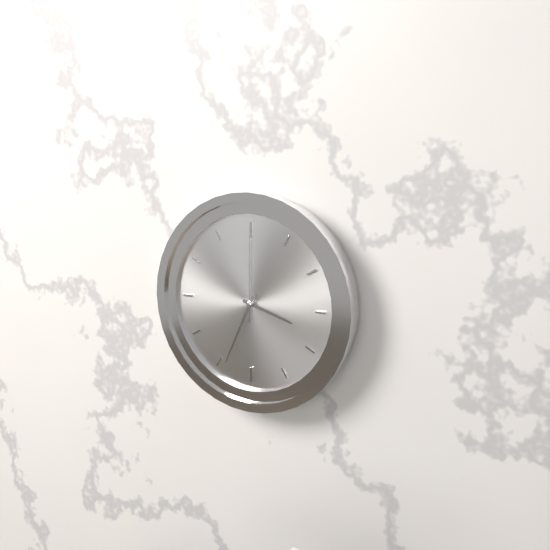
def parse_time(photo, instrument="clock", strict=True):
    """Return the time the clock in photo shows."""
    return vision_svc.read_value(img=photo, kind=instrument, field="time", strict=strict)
3:34:00
